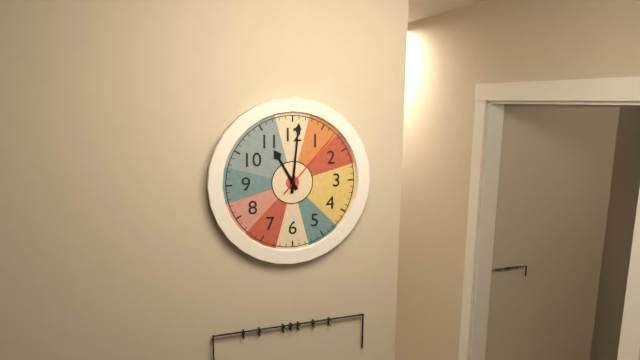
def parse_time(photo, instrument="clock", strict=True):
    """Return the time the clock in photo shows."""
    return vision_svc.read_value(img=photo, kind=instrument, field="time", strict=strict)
11:01:07
